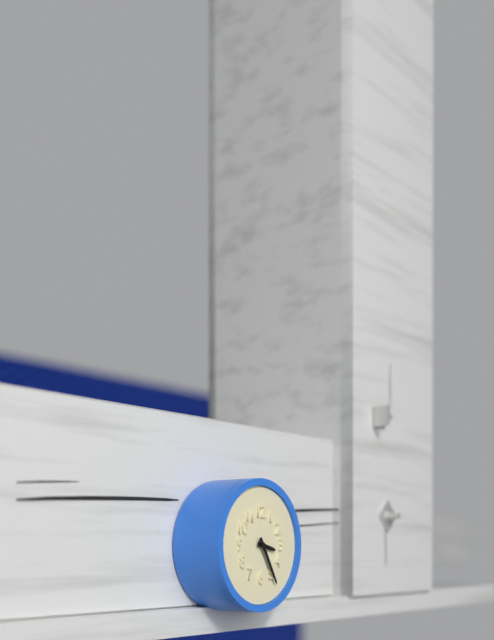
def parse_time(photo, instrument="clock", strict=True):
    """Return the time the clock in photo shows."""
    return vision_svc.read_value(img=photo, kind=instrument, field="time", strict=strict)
3:25
